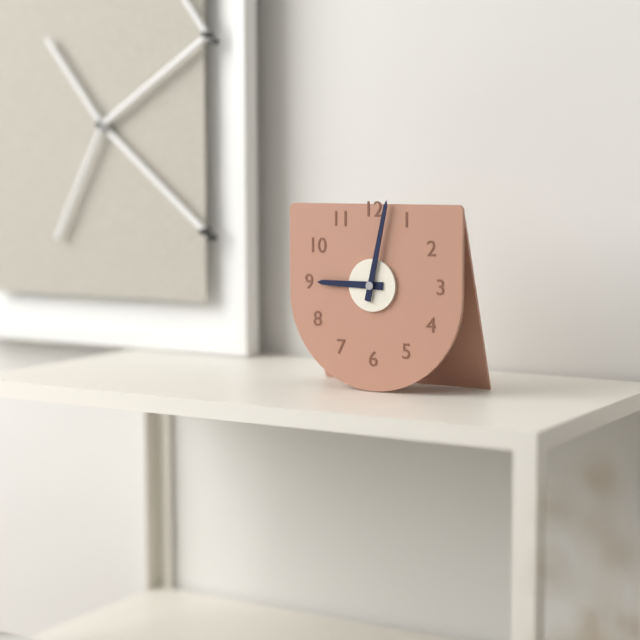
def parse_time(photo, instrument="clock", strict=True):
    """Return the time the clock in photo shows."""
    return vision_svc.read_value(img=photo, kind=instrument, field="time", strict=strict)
9:02
